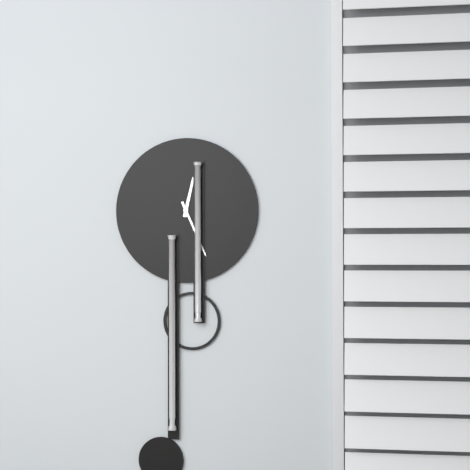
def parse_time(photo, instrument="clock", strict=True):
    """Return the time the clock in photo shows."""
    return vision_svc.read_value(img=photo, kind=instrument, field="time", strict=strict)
12:26
